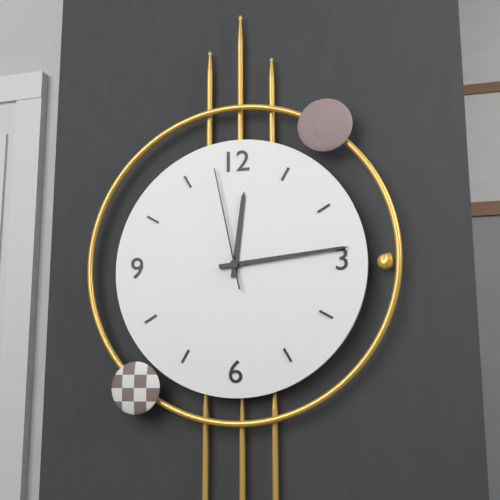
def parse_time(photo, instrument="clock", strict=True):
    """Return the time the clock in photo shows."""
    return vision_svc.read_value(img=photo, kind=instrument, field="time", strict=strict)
12:14:58
